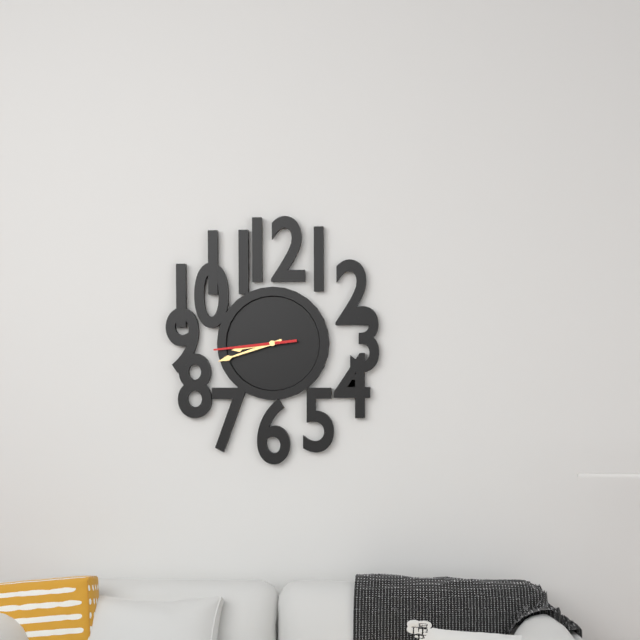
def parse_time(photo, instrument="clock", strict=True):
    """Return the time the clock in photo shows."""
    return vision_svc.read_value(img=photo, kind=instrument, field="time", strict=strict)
8:42:44
